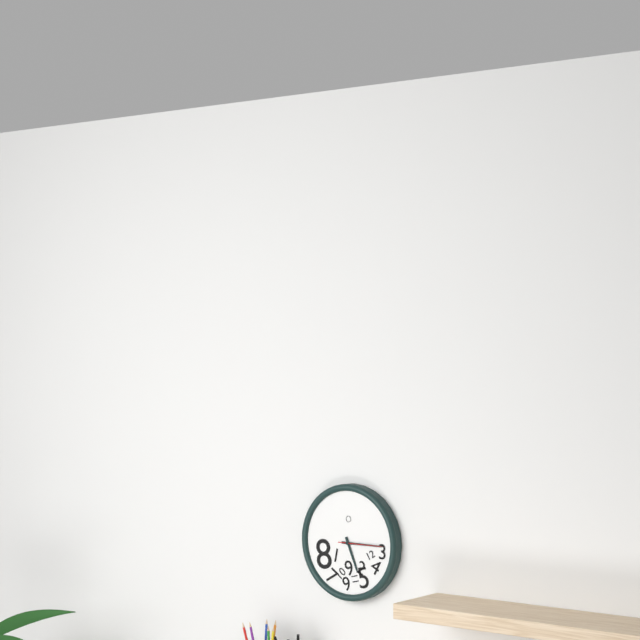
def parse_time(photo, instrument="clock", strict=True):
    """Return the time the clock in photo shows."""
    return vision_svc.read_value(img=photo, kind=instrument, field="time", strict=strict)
5:15
